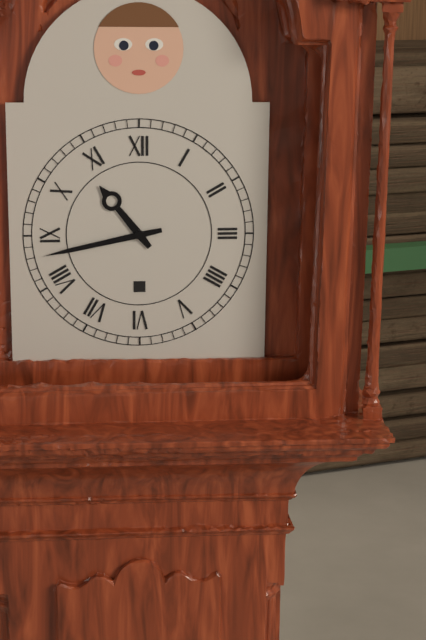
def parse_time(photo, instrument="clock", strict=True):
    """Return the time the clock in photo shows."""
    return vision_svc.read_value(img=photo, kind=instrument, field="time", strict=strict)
10:43
